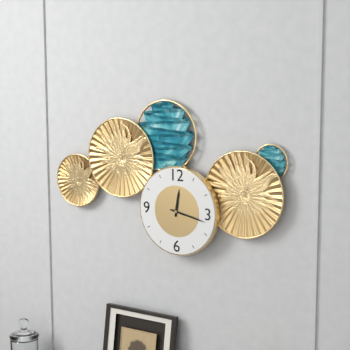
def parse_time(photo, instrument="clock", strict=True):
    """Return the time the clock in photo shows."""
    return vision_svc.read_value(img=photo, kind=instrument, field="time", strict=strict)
12:17
